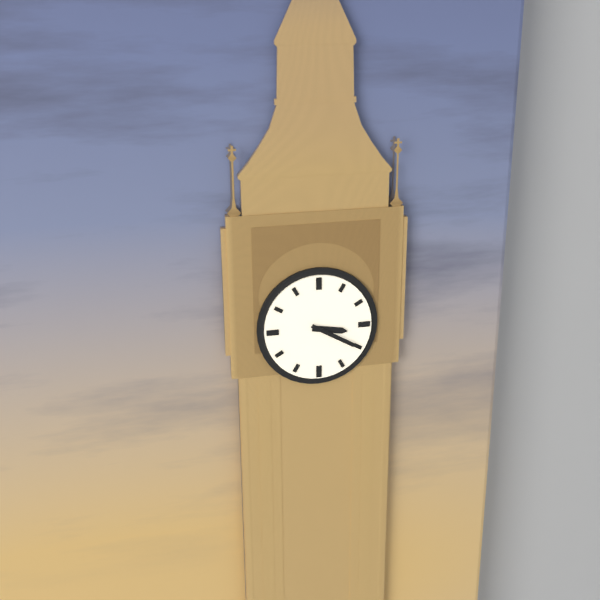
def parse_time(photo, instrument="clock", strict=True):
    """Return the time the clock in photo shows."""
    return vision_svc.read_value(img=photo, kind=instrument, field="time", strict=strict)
3:20
